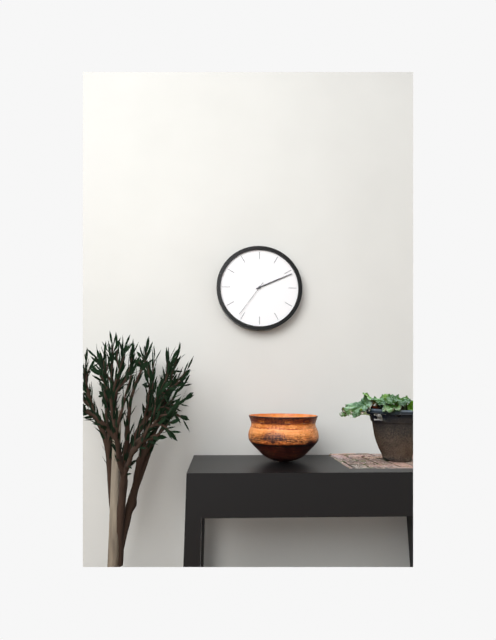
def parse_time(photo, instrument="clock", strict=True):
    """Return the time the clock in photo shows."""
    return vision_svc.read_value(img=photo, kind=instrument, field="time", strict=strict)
2:11
